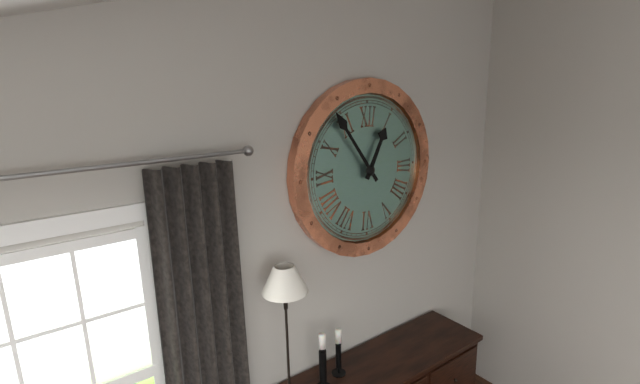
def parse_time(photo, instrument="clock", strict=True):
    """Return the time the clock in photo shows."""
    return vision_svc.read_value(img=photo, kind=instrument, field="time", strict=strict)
12:54
